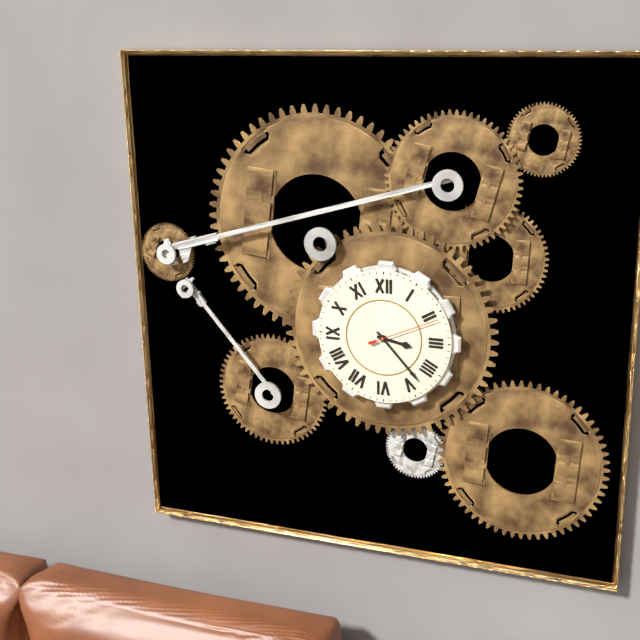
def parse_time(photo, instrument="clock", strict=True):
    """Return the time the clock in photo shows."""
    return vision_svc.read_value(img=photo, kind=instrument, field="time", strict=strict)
3:23:11
